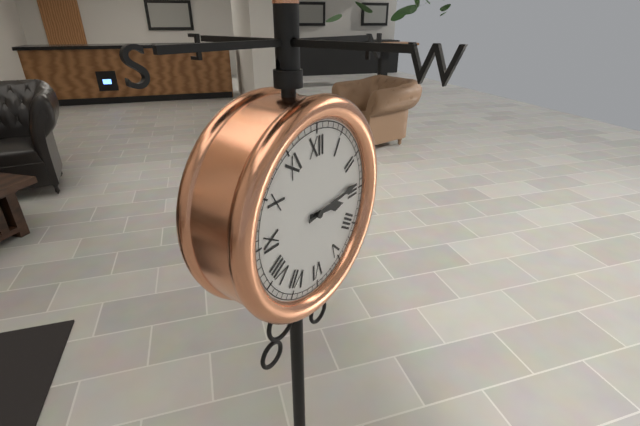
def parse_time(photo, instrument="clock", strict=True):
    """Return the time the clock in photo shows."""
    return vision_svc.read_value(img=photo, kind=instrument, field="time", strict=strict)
3:14
